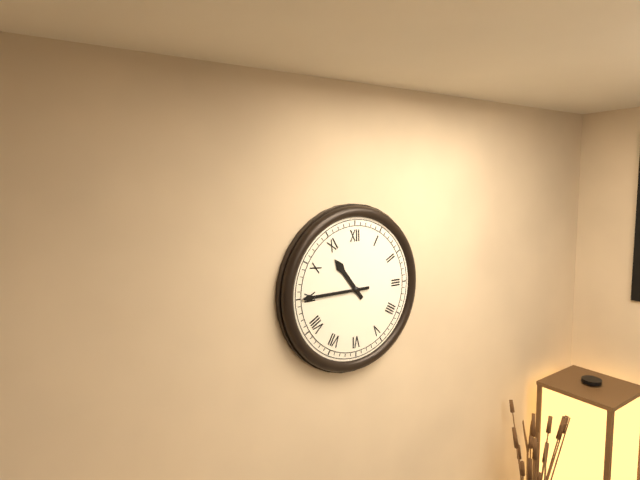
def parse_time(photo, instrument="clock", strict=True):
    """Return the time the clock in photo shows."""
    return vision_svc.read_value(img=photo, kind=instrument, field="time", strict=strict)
10:45
